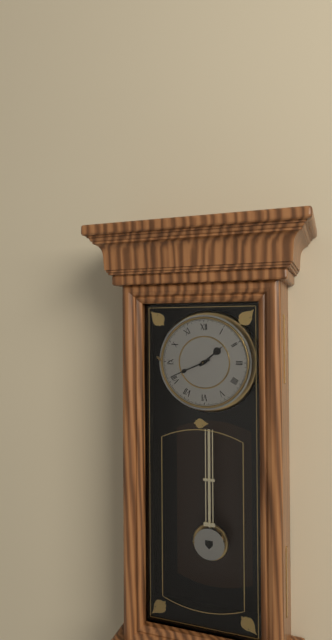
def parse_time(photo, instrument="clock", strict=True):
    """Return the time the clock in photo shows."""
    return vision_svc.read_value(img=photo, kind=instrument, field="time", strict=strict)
1:41
